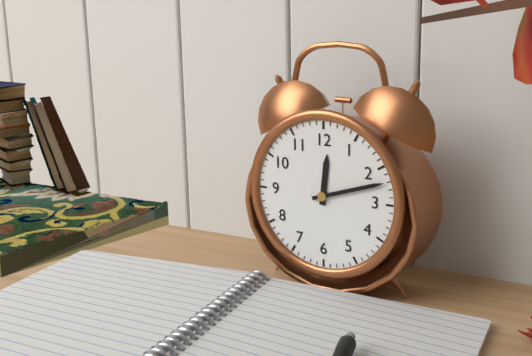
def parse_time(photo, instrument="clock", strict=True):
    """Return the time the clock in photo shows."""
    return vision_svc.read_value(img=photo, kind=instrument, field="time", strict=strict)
12:12
